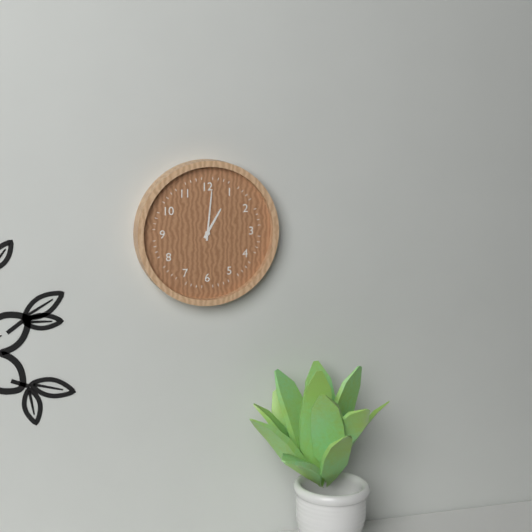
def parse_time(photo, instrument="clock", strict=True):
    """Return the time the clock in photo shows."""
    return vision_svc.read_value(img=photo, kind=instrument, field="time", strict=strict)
1:01
